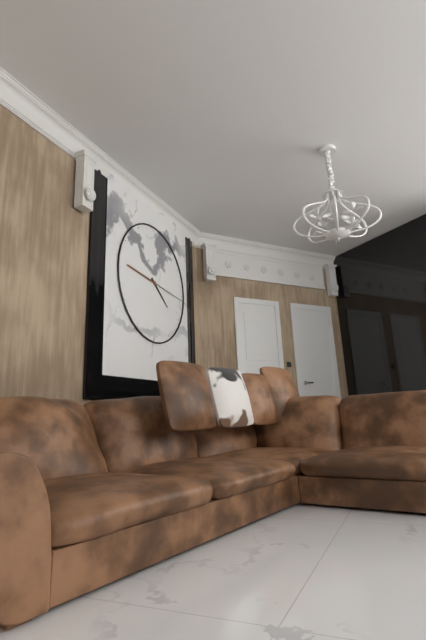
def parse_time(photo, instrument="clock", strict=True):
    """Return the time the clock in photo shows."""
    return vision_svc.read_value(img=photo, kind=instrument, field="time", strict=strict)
4:16
